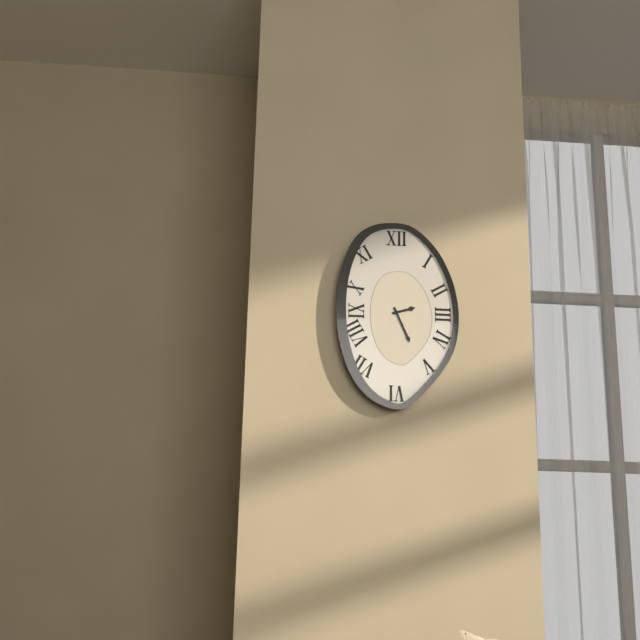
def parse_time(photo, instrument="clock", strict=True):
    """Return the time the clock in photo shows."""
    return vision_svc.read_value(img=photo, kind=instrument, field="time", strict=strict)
2:26
